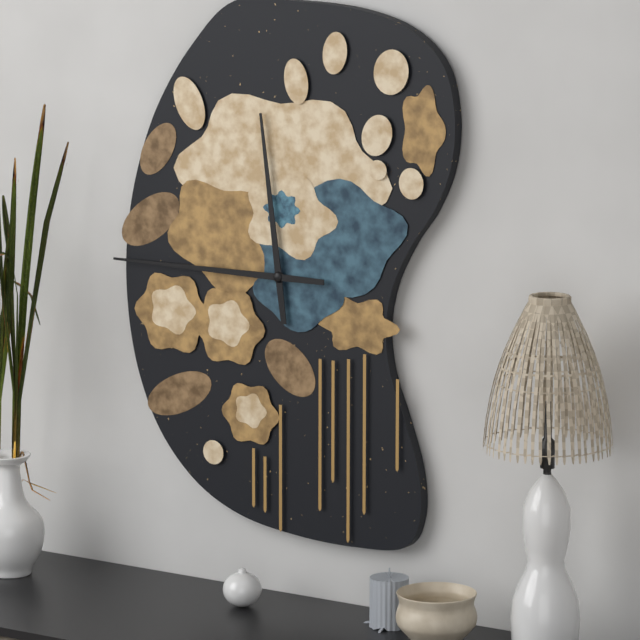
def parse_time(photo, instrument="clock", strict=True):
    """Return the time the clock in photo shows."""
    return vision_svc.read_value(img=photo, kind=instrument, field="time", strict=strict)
11:45
